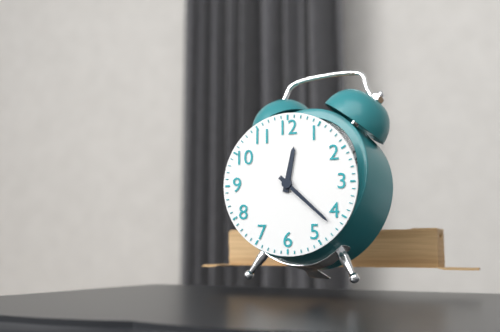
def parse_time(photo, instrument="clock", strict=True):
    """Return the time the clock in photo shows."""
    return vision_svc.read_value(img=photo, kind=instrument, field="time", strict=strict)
12:22
